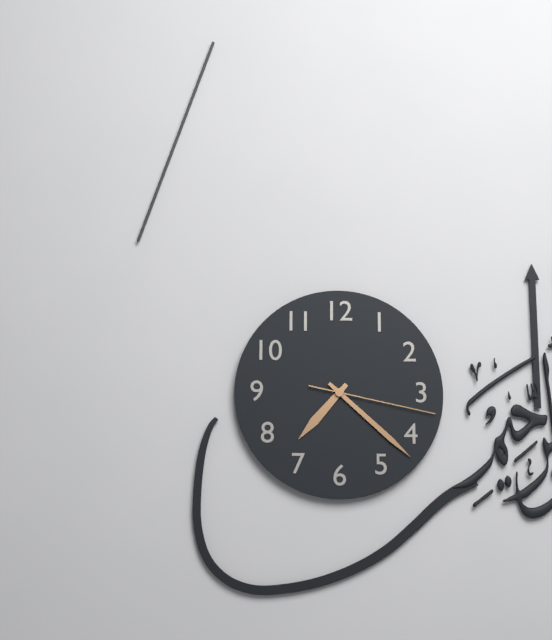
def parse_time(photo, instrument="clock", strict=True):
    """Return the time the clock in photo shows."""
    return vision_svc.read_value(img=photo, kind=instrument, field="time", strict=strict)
7:22:17
